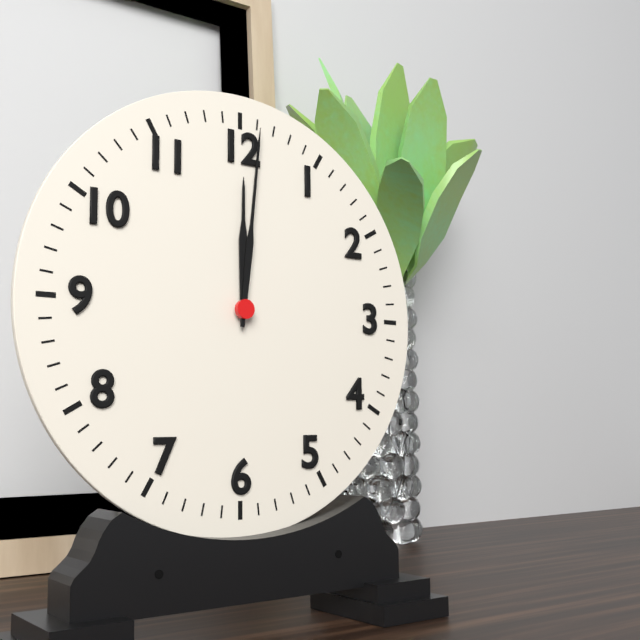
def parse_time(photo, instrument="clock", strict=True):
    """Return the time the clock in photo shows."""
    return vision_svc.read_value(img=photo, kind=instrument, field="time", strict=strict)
12:01
